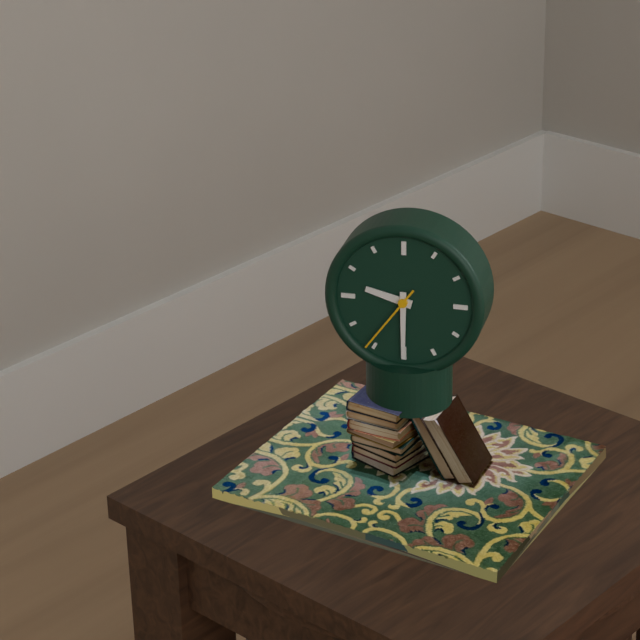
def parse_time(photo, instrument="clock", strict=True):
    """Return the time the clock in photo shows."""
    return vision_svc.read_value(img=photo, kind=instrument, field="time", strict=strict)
9:30:36
